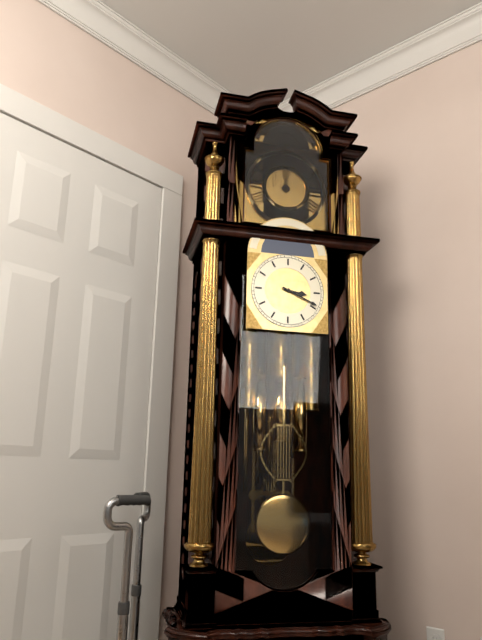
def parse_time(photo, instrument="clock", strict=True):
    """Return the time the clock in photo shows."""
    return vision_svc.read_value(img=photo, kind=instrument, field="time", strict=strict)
3:19
